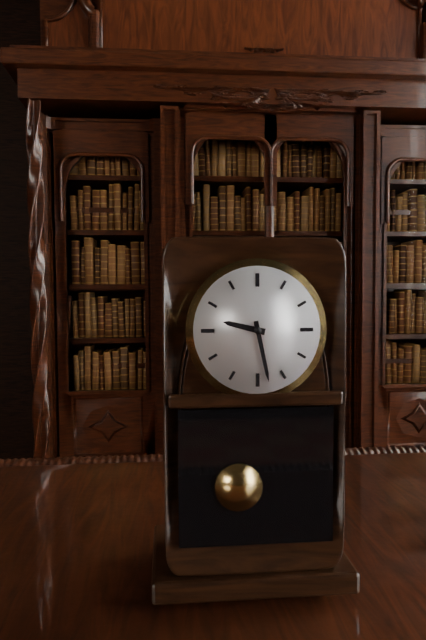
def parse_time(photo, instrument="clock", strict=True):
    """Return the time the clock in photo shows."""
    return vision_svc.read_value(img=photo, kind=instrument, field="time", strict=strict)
9:28
